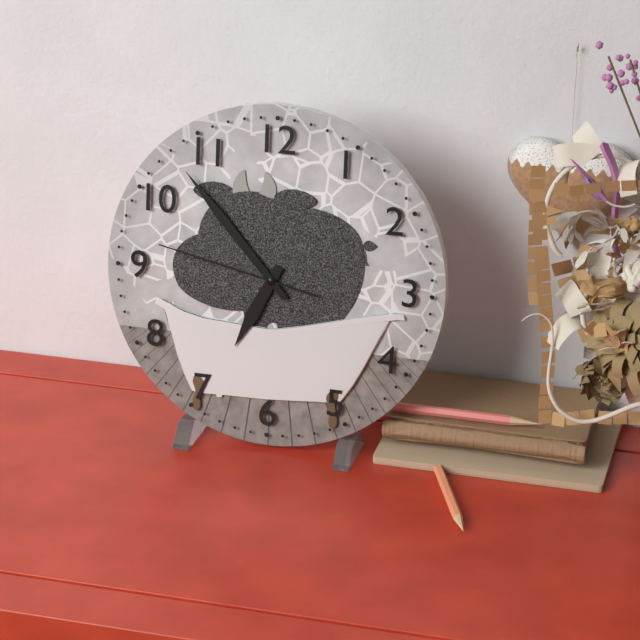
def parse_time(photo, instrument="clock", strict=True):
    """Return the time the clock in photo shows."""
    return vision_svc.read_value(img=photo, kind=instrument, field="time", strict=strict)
6:53:47
